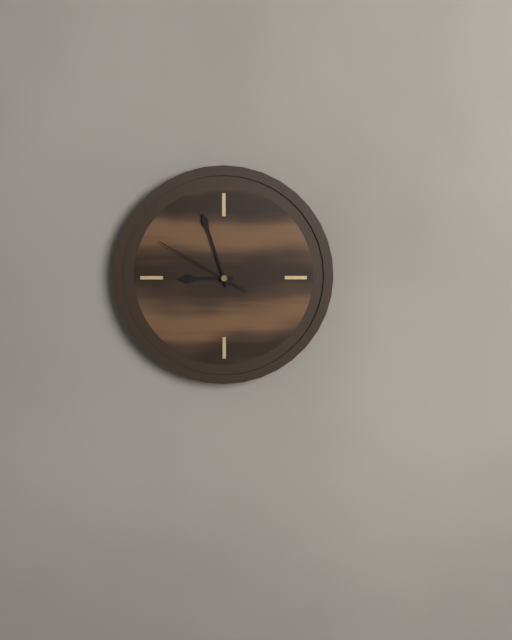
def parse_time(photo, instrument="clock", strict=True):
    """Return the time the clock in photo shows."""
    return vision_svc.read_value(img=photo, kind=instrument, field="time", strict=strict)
8:57:50
